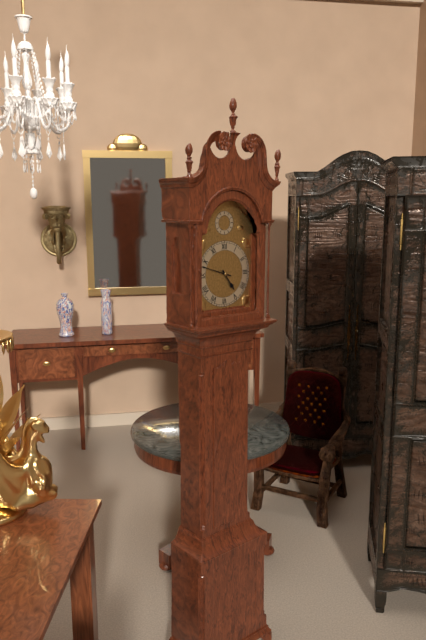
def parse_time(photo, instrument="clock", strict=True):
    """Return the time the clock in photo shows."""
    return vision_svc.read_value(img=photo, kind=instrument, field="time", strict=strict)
4:48
